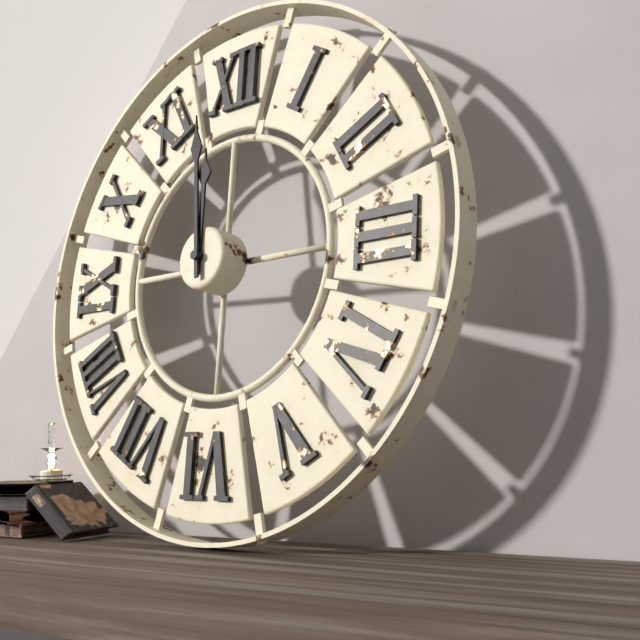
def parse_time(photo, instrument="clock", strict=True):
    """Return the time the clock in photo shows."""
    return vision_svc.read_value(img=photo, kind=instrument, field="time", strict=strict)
11:59
